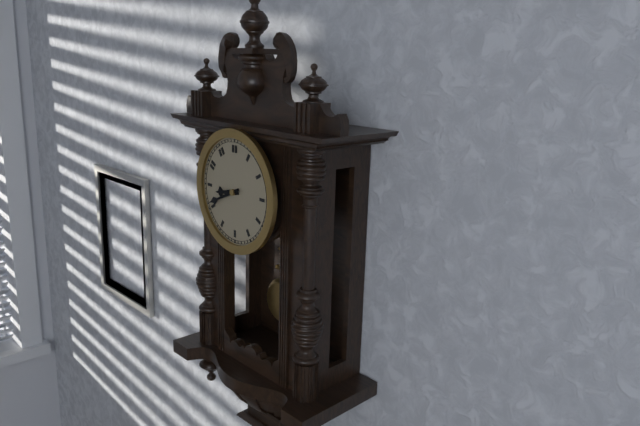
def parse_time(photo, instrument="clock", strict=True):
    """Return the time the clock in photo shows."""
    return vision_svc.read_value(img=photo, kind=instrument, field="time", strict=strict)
8:41
